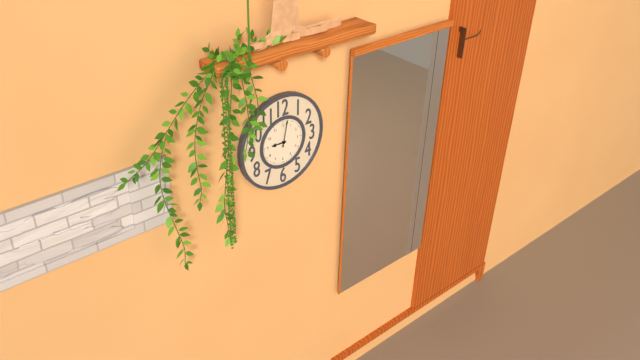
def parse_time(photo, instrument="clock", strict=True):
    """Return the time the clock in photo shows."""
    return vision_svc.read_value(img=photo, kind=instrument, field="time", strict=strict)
9:02
